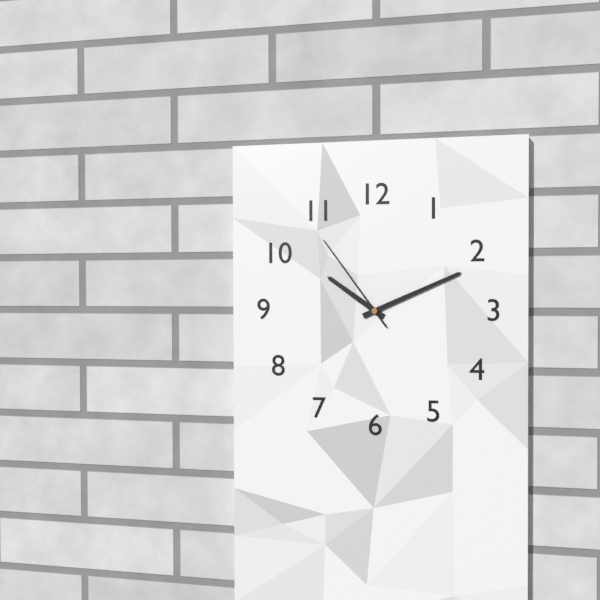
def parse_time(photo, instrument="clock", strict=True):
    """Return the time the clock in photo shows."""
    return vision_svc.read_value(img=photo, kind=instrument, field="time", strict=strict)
10:11:54
